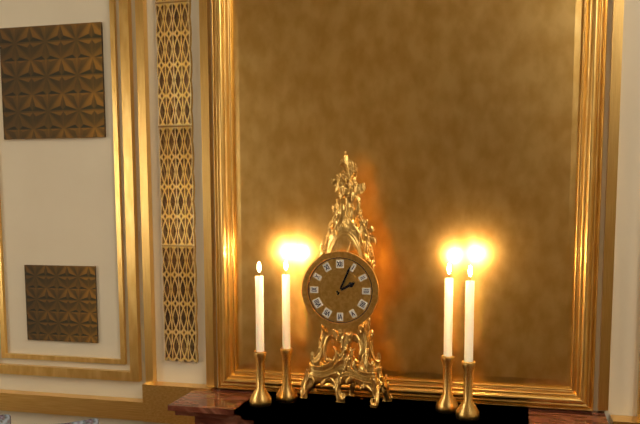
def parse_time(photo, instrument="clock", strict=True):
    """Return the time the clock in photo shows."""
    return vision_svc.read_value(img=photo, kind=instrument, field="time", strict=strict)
2:04
